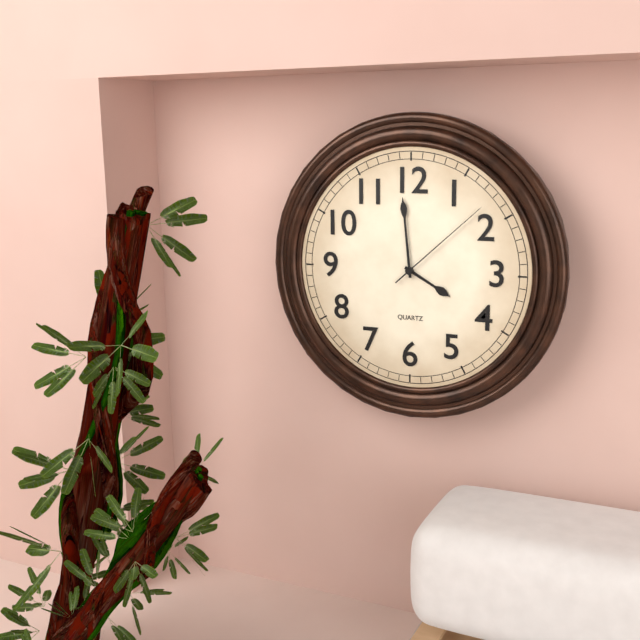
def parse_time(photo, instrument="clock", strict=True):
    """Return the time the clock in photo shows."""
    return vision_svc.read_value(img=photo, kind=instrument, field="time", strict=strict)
3:59:08
